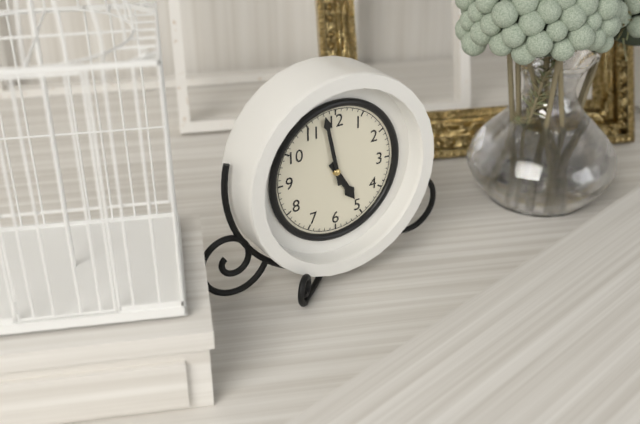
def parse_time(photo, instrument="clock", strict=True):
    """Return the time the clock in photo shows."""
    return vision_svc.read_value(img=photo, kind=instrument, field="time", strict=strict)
4:58
